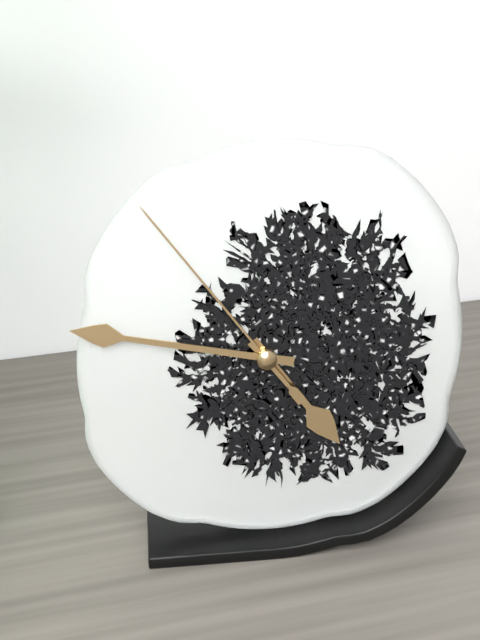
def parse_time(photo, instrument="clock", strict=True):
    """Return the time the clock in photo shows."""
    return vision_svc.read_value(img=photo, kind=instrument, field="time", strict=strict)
4:47:54
